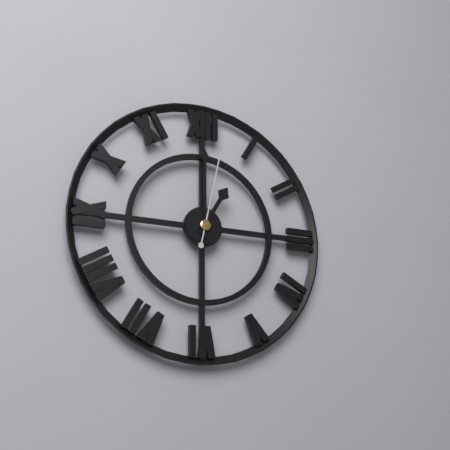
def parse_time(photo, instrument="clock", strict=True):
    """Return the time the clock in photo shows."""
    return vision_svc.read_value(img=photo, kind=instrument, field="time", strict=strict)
1:00:02
